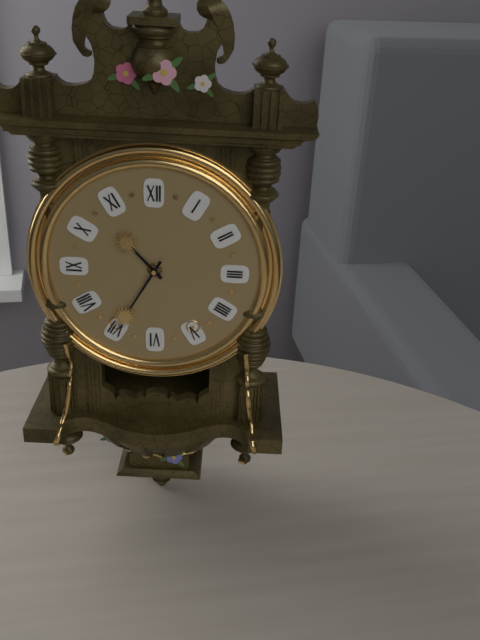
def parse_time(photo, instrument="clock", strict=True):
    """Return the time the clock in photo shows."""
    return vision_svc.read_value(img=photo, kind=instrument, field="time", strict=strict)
10:35
